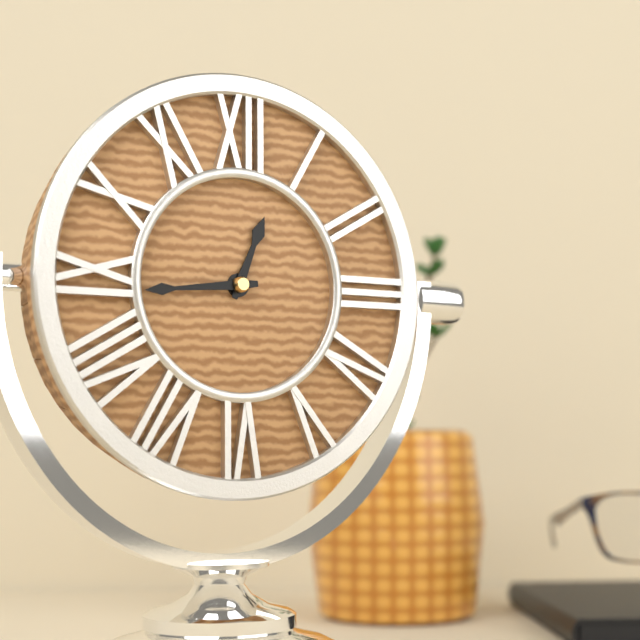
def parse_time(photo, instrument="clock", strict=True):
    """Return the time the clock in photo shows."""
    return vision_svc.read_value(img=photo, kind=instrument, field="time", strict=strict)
12:44
